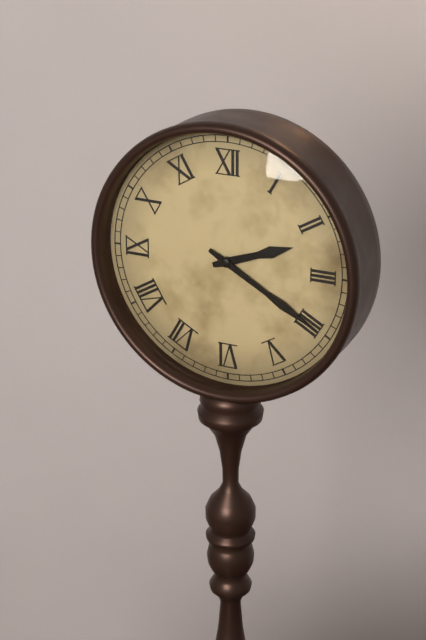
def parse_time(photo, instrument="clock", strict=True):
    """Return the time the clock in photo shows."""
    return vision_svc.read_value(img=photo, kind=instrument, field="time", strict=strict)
2:20
